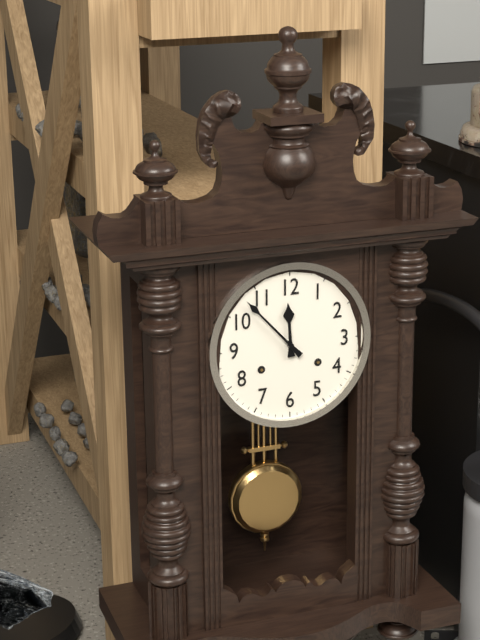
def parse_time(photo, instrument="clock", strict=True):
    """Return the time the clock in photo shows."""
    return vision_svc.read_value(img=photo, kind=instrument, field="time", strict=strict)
11:53
